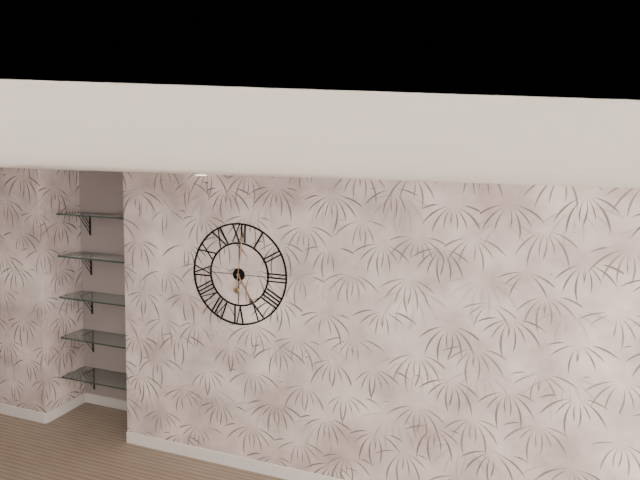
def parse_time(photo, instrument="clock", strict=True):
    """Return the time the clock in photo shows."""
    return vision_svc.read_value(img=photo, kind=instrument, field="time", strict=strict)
5:01
